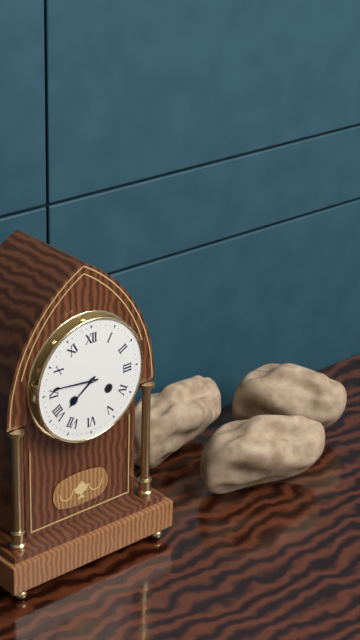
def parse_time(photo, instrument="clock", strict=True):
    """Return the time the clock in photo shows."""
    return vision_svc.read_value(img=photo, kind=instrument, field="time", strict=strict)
7:46
